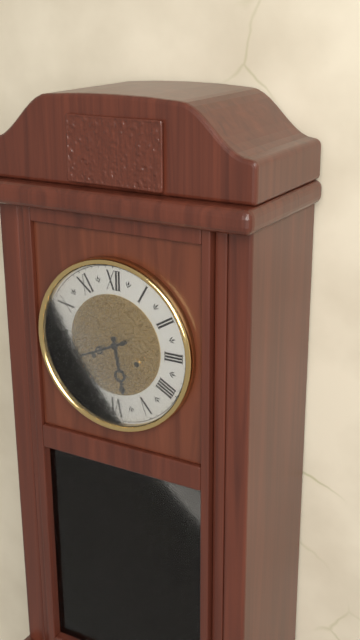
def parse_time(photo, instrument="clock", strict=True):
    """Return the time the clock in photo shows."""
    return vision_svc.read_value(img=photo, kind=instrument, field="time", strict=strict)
5:41
